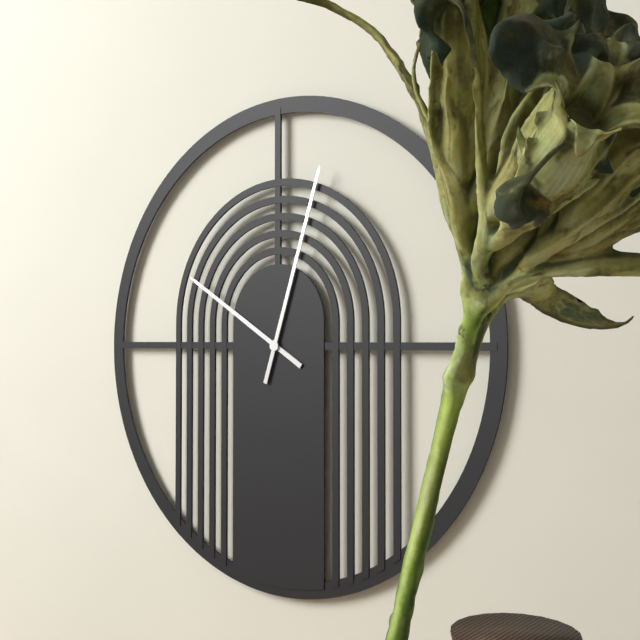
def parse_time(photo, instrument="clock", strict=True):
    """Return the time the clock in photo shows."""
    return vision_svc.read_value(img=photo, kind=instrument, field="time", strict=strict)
10:03
